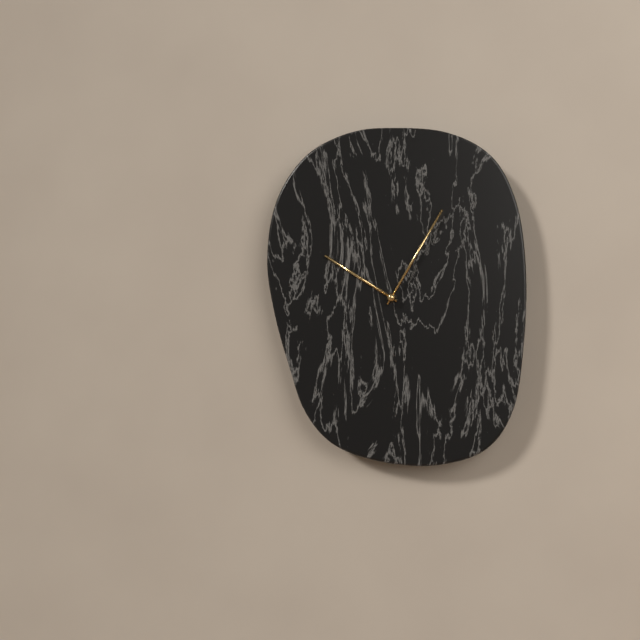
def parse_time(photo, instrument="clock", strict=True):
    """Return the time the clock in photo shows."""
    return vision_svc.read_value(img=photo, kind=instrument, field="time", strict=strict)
10:05
